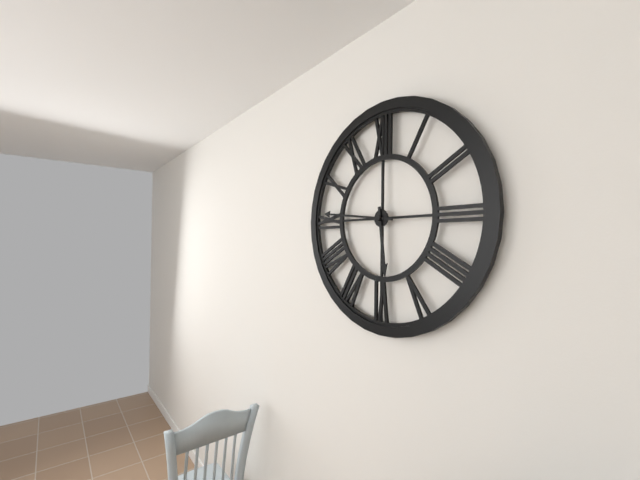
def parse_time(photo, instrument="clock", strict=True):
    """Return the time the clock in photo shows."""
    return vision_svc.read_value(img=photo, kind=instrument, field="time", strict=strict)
5:46
